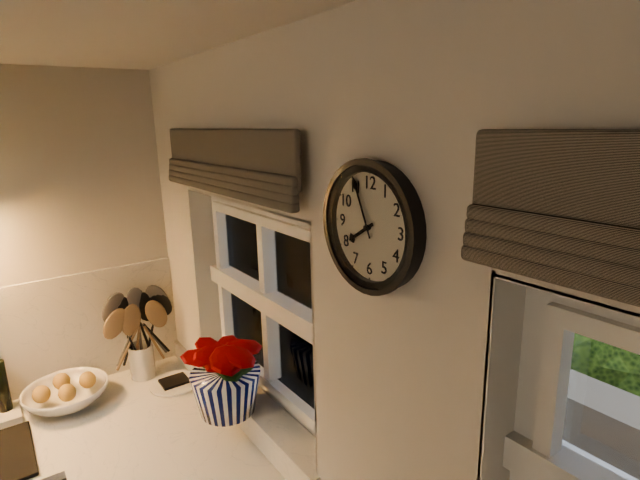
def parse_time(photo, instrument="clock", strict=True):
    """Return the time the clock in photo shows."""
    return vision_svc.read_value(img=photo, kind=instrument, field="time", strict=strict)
7:56
